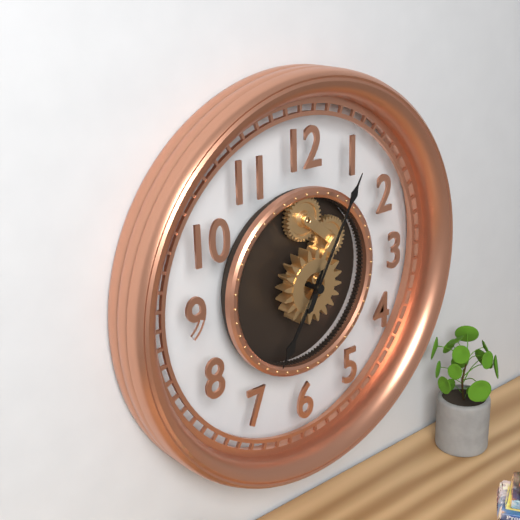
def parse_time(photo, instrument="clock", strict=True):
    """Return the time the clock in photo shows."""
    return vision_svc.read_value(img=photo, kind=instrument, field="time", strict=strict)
7:05
